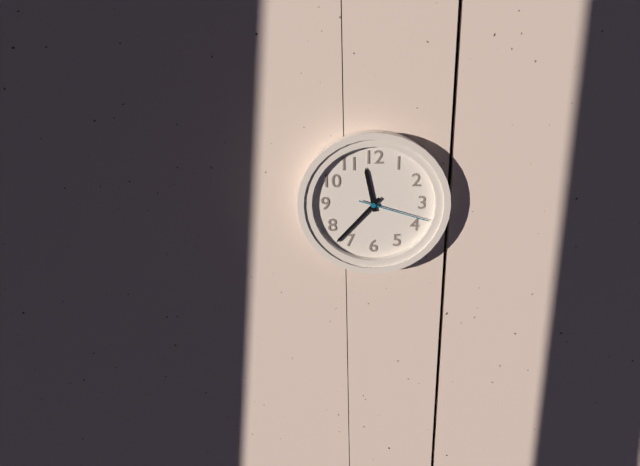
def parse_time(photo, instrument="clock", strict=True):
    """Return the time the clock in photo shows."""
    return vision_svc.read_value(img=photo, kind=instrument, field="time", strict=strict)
11:37:18
